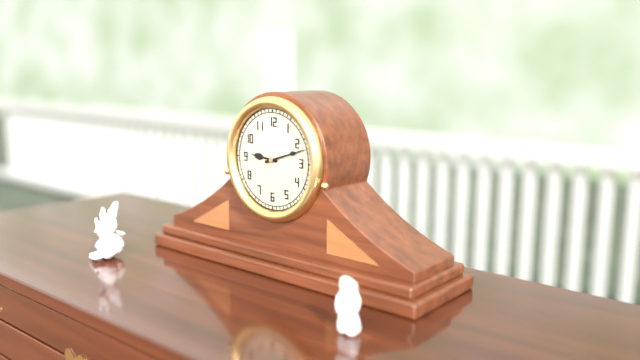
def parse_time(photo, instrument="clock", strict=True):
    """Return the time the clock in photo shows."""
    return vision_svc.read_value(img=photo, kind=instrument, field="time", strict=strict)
9:12
